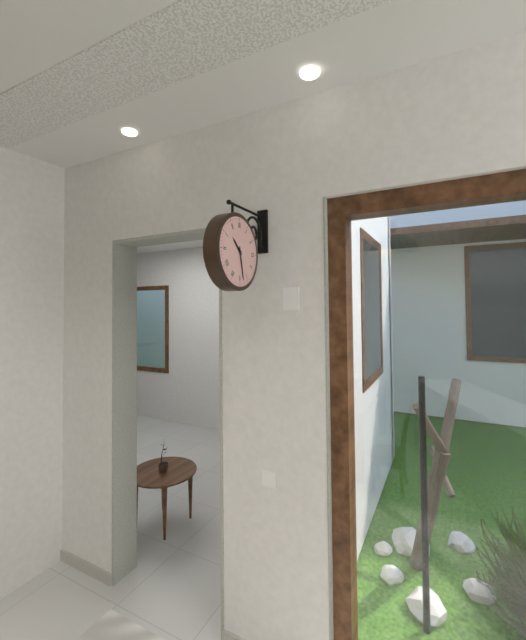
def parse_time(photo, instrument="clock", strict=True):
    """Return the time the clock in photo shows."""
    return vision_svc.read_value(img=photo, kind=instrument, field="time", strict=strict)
10:28
